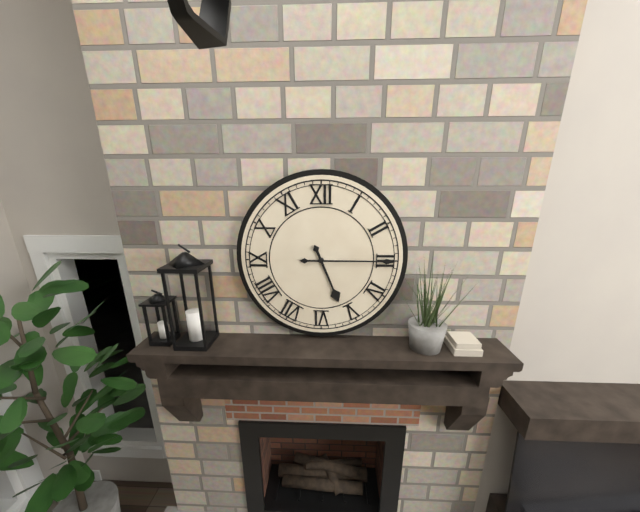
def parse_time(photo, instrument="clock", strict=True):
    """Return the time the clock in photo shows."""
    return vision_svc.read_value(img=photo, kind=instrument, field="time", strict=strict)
5:15
